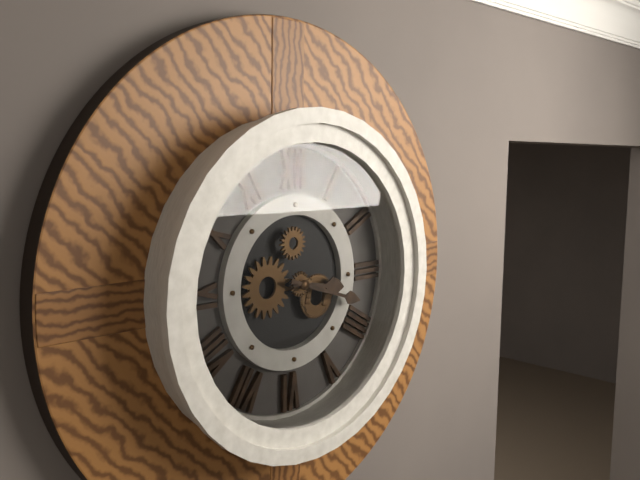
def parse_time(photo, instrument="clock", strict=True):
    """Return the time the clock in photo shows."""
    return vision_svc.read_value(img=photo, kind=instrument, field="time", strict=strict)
3:18
